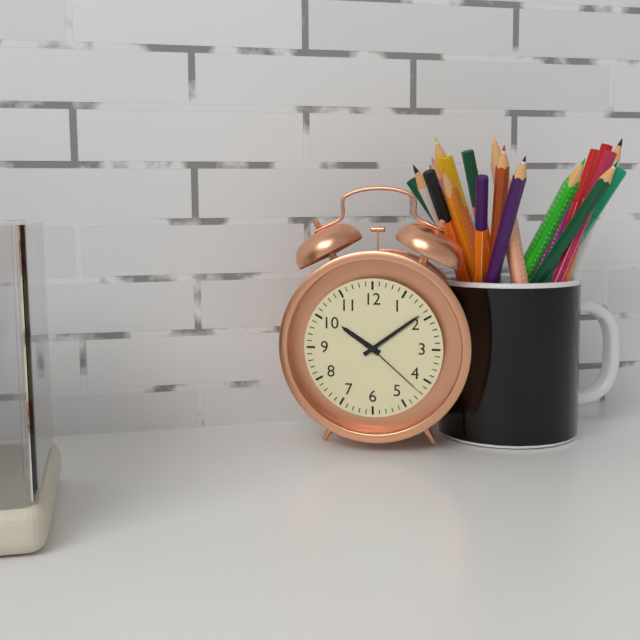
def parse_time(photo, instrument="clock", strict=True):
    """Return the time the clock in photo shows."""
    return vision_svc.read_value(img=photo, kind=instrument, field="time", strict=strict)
10:09:22
